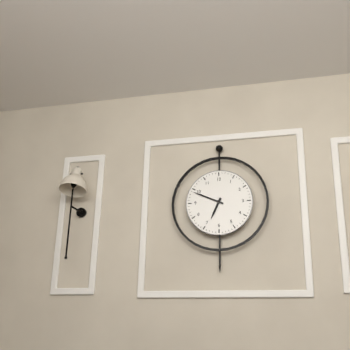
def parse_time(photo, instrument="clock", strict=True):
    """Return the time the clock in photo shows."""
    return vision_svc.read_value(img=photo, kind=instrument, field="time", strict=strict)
6:49
